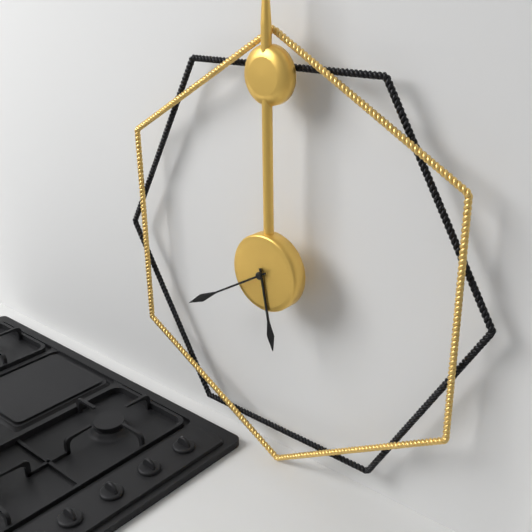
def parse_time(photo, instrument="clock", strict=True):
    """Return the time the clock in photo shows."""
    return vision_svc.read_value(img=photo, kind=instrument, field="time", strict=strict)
5:40
